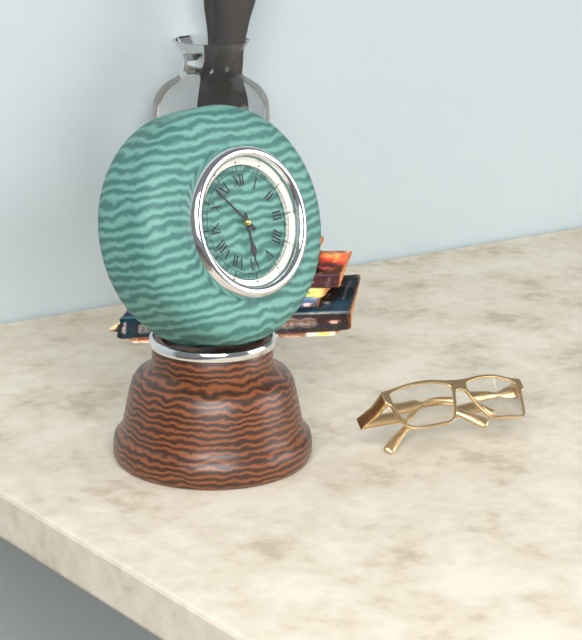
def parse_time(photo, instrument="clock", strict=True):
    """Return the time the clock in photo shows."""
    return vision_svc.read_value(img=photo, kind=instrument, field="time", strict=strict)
5:53
